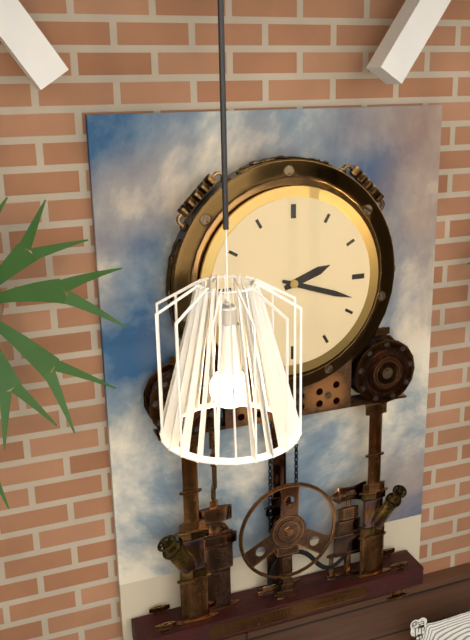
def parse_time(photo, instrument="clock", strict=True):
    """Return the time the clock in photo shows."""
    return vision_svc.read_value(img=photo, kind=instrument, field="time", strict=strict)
2:18
